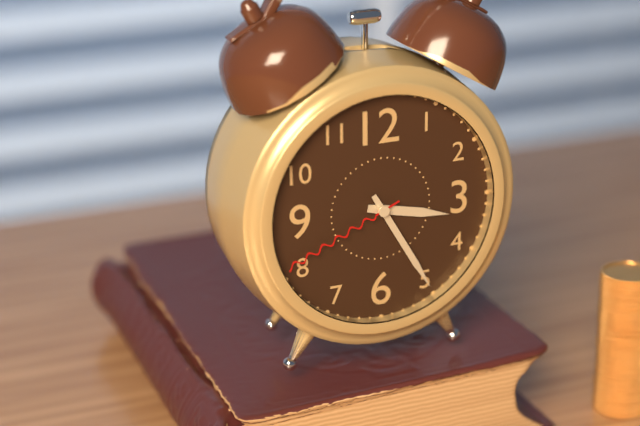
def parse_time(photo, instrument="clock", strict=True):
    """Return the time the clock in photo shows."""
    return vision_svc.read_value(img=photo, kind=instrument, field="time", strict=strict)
3:25:41
